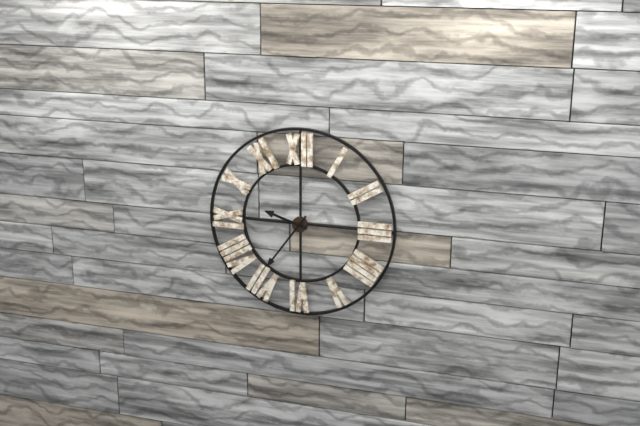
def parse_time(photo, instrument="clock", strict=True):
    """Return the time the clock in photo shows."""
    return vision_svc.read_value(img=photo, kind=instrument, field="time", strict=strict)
9:36
